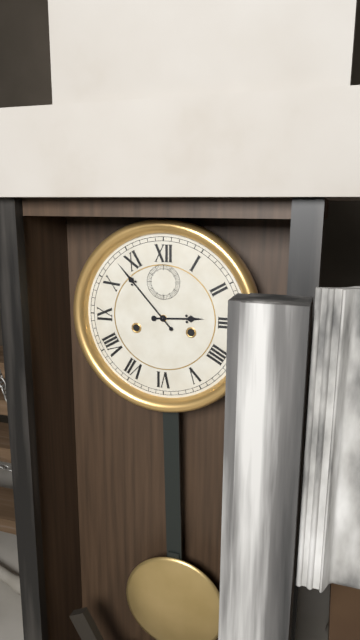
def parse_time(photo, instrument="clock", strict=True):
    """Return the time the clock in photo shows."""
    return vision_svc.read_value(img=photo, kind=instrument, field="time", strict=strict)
2:53
